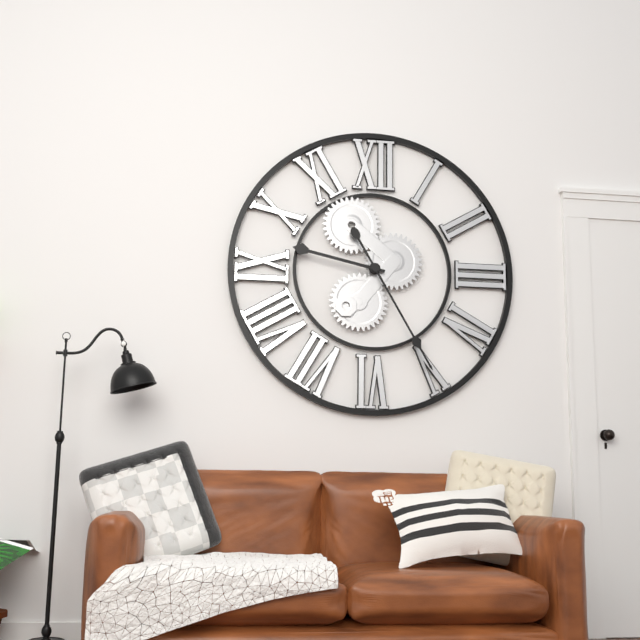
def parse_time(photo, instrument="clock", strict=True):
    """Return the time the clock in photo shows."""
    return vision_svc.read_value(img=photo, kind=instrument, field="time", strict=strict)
9:25
